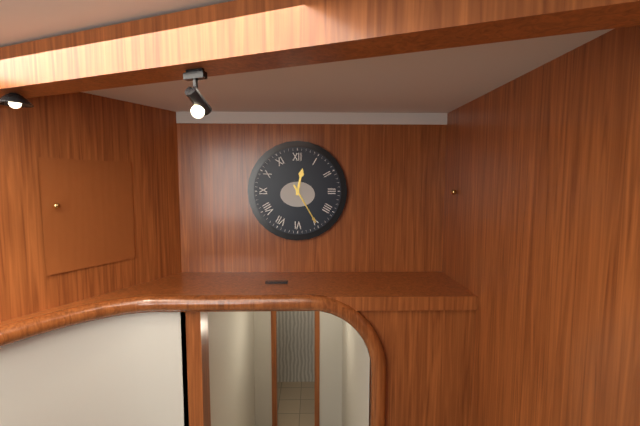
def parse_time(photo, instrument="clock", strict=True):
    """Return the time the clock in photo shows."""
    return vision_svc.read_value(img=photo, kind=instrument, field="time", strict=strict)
12:25
